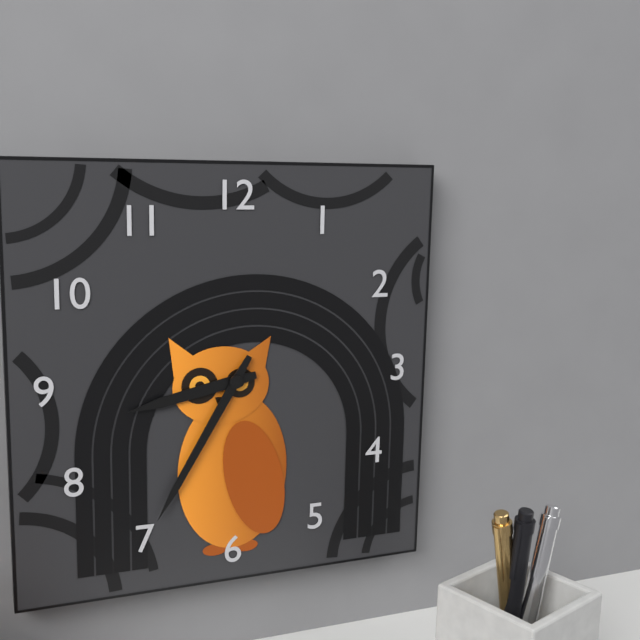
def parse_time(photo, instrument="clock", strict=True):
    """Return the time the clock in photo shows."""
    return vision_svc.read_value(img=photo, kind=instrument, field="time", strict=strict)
8:35
